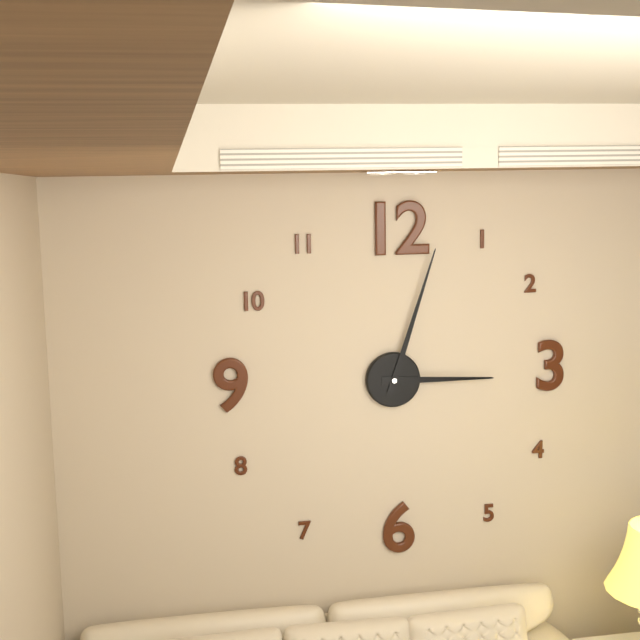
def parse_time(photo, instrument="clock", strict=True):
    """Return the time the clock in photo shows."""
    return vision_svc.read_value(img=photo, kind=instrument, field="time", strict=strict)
3:03
